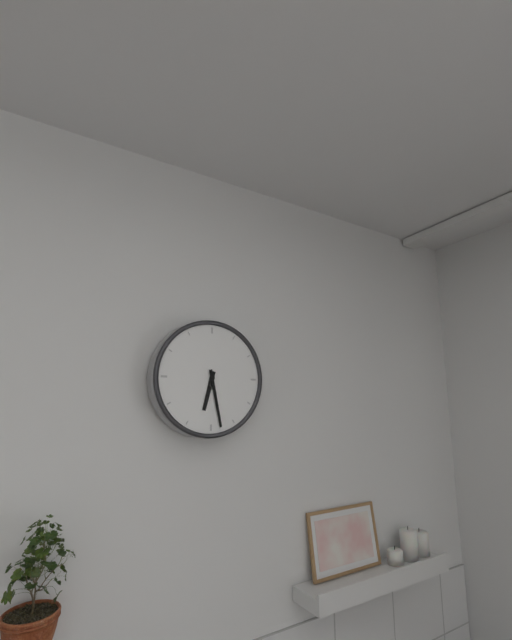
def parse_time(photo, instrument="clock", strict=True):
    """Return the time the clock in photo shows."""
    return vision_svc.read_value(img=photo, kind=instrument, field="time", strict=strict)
6:28
